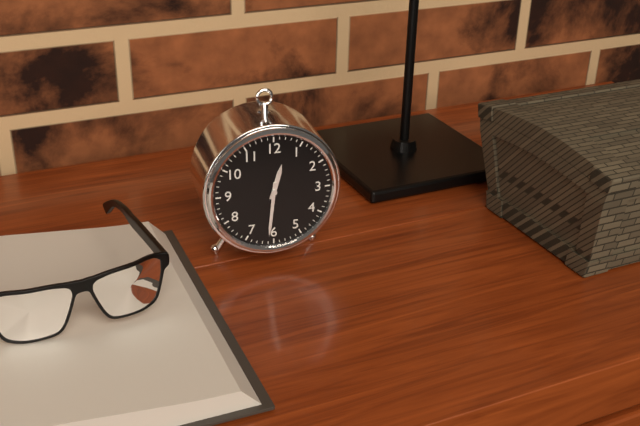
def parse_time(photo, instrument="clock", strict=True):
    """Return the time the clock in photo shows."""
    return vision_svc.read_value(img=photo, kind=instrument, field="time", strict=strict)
12:31
